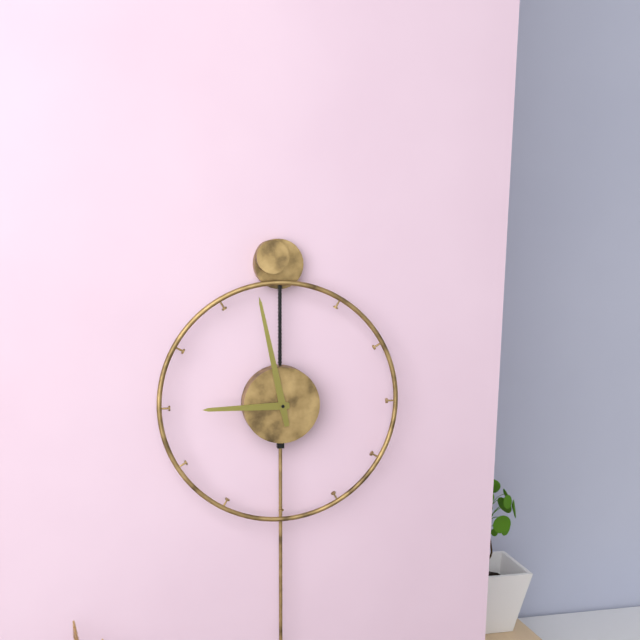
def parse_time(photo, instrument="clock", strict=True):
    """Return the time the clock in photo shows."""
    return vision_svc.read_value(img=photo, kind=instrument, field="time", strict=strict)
8:58
